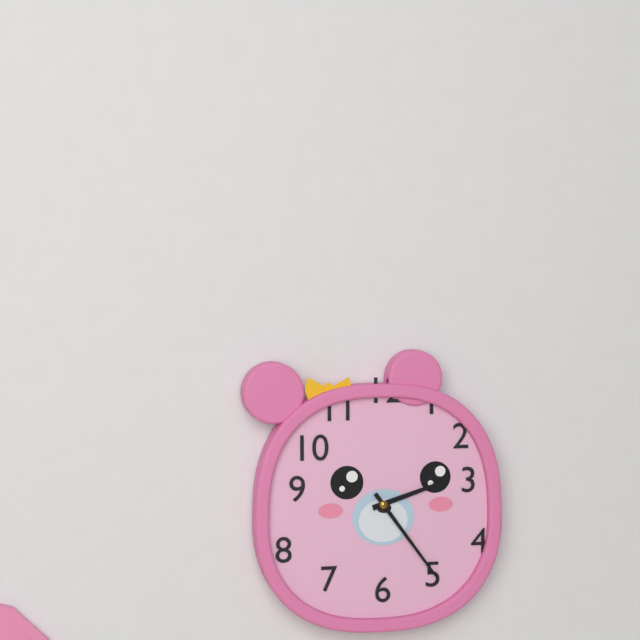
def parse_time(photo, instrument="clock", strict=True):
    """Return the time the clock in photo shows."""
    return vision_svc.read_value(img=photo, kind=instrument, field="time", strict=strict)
2:24
